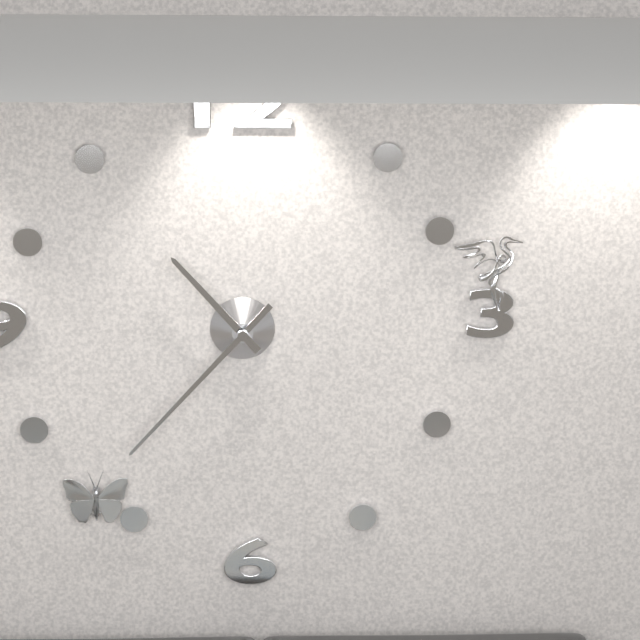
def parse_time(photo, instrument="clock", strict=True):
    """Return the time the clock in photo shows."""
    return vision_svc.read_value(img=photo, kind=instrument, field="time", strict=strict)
10:37
